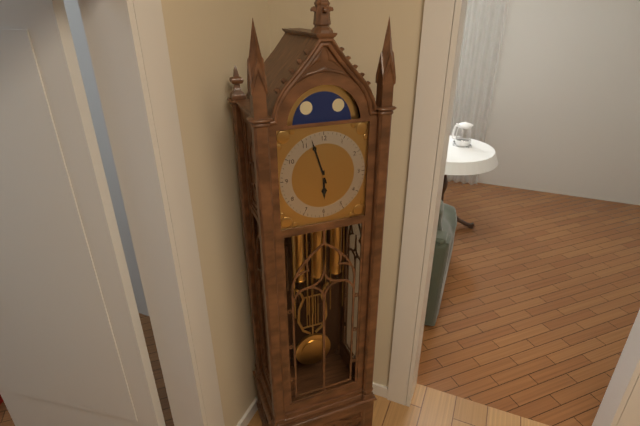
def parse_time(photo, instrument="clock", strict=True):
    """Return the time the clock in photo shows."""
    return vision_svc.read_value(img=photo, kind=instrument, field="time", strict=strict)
5:57
